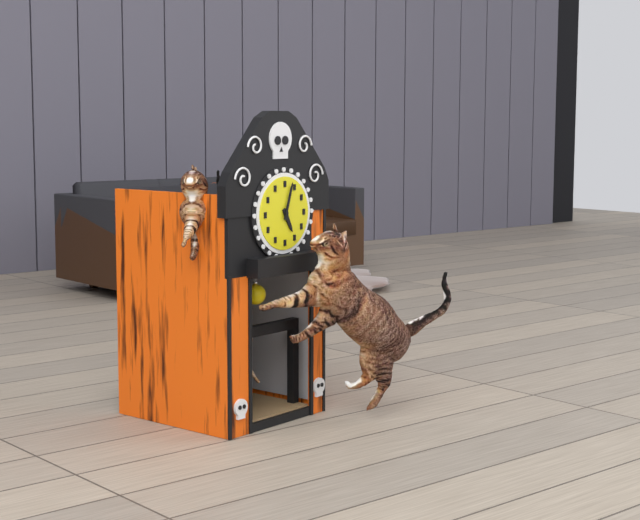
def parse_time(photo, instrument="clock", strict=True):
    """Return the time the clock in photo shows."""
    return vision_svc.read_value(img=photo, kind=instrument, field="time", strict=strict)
5:03
